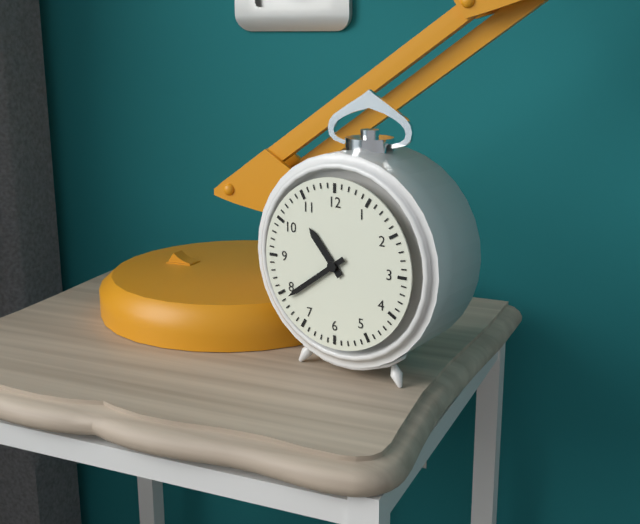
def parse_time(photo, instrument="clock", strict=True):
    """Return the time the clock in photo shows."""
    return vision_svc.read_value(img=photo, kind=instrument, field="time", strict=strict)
10:39
